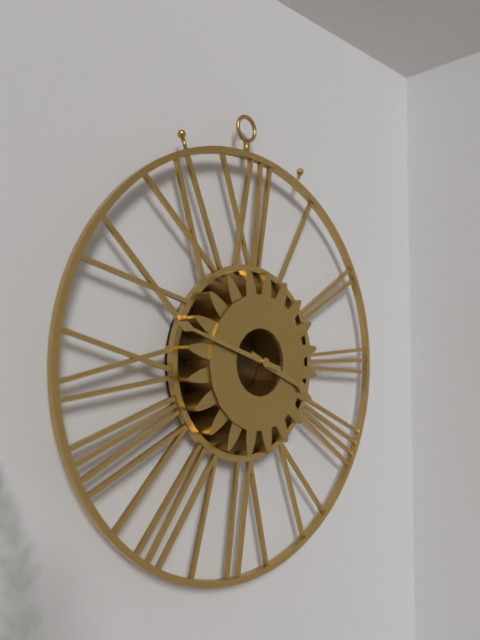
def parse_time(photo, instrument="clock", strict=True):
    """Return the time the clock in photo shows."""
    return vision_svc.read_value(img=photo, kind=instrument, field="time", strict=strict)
3:48
